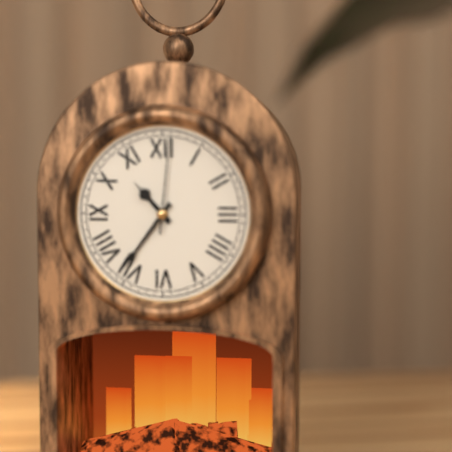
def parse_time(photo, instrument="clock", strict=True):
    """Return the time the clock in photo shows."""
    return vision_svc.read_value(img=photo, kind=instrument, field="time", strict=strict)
10:36:01
